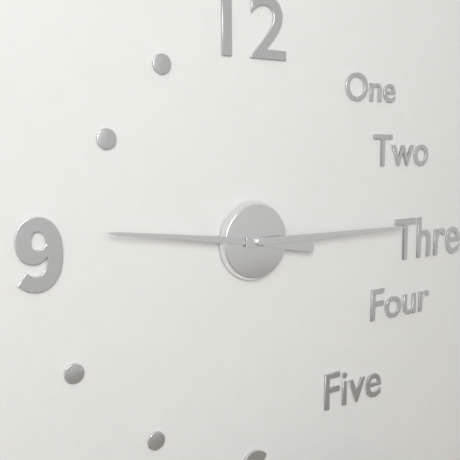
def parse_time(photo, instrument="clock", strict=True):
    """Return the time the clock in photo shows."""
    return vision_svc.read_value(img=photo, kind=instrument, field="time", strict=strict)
9:15
